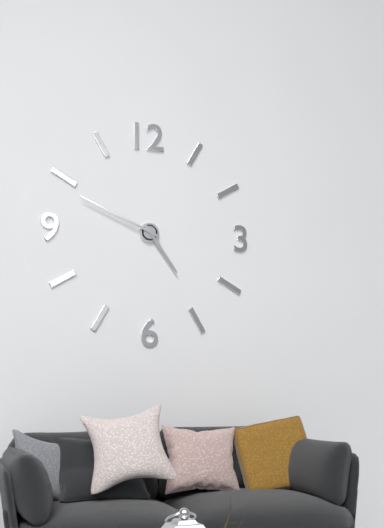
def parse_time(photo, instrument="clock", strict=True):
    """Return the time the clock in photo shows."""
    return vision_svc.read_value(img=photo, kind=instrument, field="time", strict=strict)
4:49
